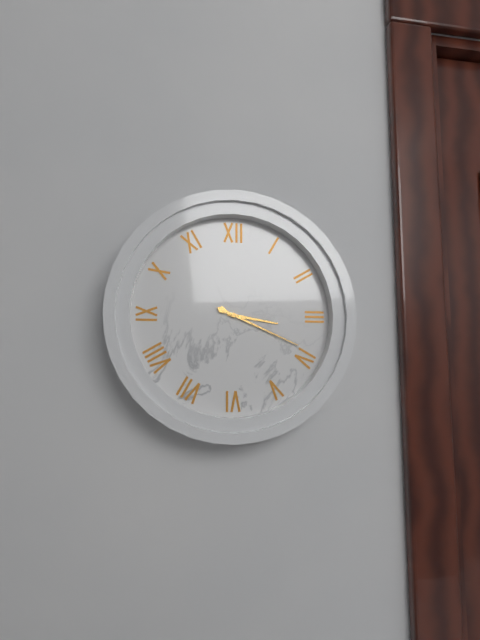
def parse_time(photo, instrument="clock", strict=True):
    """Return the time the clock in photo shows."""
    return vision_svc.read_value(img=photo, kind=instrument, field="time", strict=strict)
3:19
